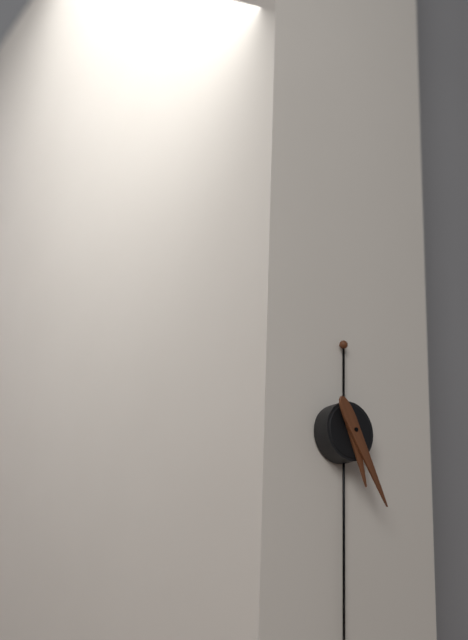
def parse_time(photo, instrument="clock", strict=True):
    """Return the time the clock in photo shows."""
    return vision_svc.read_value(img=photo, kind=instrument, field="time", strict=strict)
5:25
